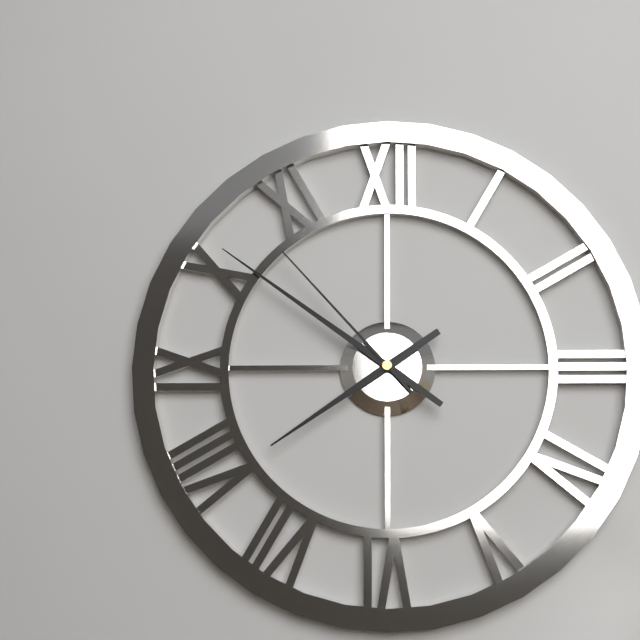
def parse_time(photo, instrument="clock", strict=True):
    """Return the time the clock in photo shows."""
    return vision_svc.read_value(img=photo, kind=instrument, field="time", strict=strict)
7:51:53
